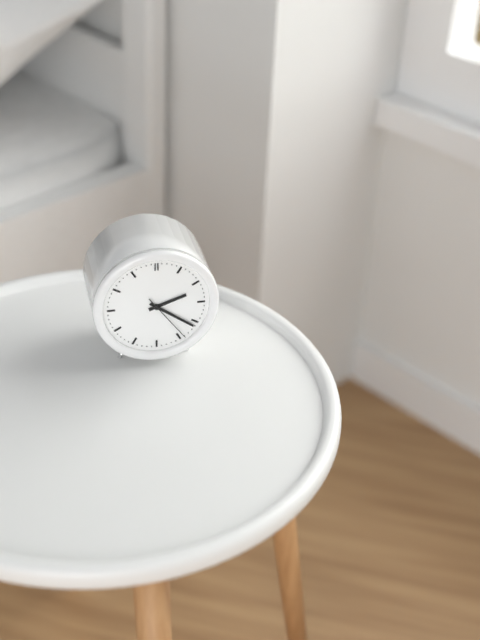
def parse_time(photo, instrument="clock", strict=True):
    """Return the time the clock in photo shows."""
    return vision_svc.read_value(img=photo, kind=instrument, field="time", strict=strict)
2:21:24
